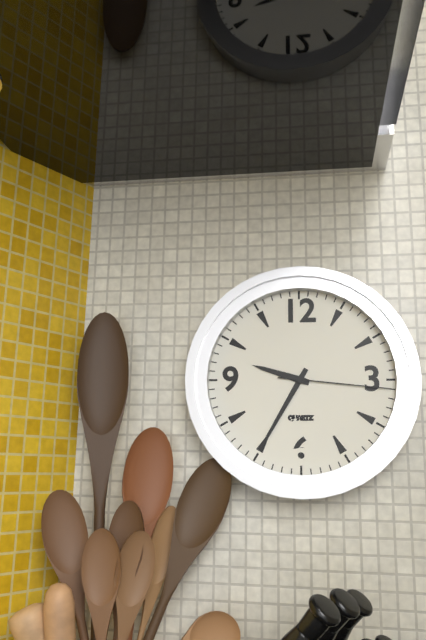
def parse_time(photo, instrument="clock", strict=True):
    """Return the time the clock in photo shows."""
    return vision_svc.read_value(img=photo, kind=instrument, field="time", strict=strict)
9:35:16
